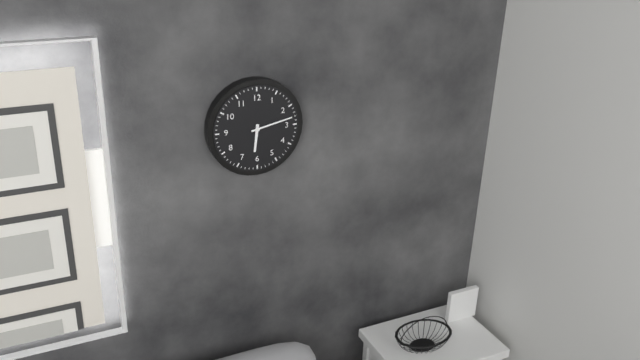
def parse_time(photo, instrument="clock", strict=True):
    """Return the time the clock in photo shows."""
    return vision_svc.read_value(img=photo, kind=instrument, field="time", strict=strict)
6:13
